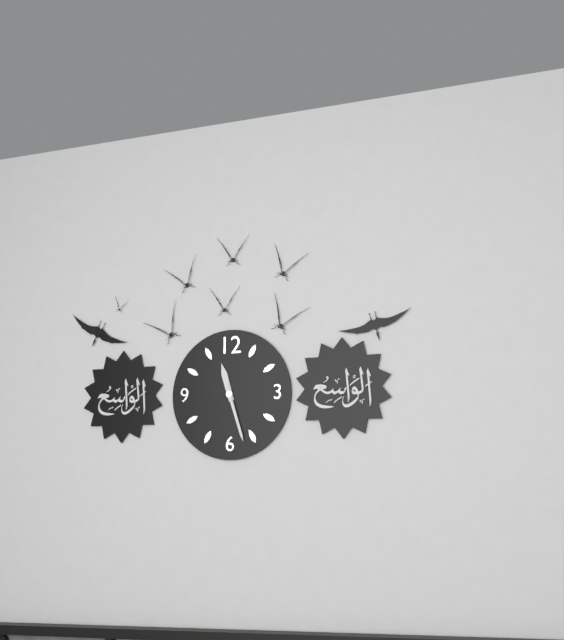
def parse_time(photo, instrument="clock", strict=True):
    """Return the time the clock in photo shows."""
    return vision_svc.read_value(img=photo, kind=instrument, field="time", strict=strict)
11:27
